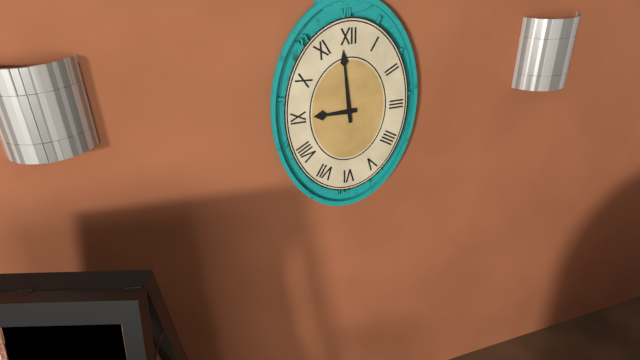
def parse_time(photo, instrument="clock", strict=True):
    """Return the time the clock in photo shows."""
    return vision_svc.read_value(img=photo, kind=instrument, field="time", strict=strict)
8:59
